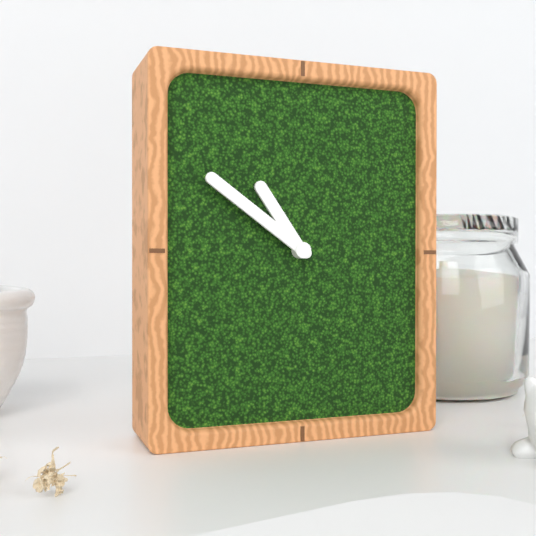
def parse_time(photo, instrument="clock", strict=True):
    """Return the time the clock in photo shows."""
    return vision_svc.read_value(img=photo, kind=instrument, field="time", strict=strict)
10:51
